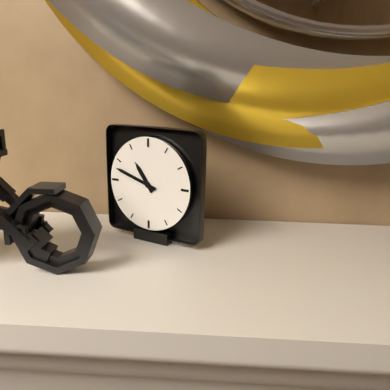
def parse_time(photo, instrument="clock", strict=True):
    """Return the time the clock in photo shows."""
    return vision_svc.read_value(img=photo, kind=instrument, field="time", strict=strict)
10:48
